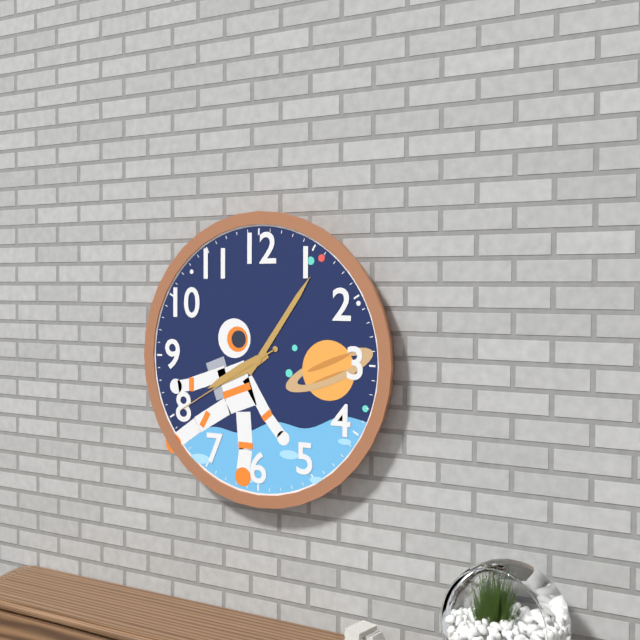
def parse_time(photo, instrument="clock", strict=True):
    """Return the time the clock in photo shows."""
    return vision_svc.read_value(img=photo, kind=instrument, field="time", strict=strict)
8:06:40
